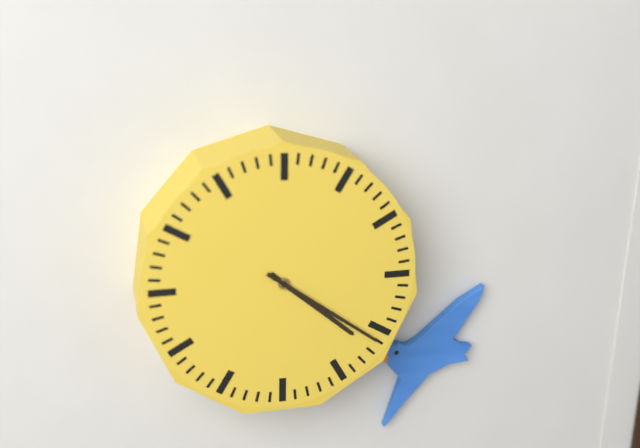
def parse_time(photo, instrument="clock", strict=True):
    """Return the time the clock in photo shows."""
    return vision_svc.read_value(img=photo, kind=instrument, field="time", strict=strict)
4:21
